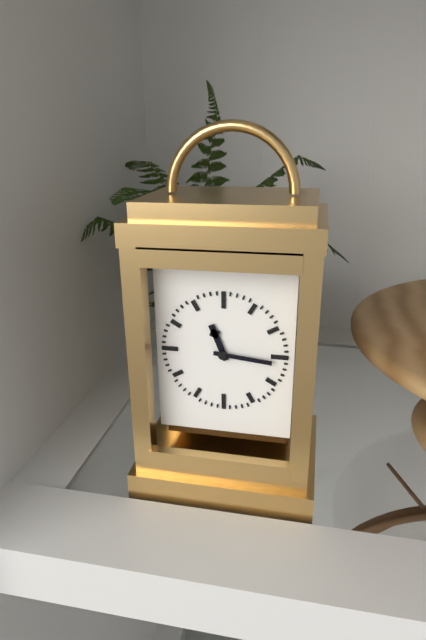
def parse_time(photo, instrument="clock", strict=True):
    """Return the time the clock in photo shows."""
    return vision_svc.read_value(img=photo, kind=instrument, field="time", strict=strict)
11:16
